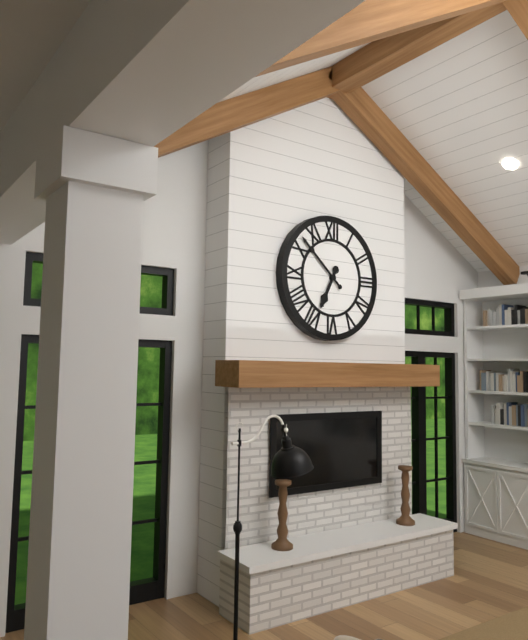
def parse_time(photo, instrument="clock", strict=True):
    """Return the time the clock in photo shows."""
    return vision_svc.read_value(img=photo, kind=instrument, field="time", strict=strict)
6:52
